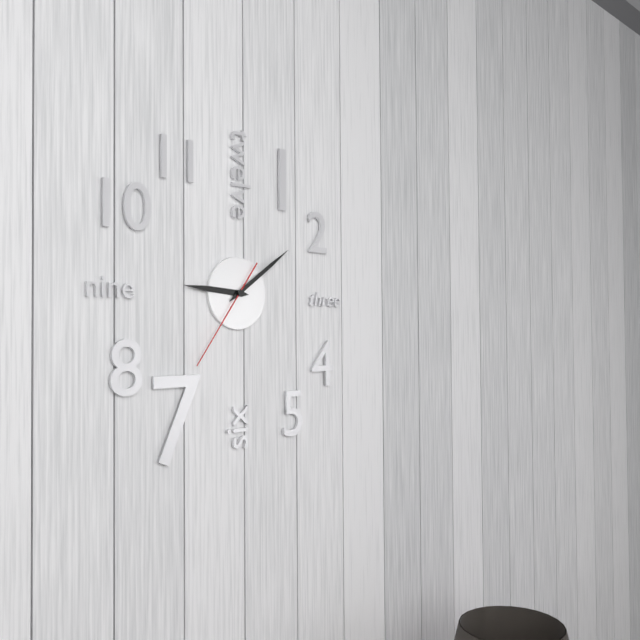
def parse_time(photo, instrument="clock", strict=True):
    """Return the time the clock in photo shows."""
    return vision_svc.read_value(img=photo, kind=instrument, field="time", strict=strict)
9:09:36
